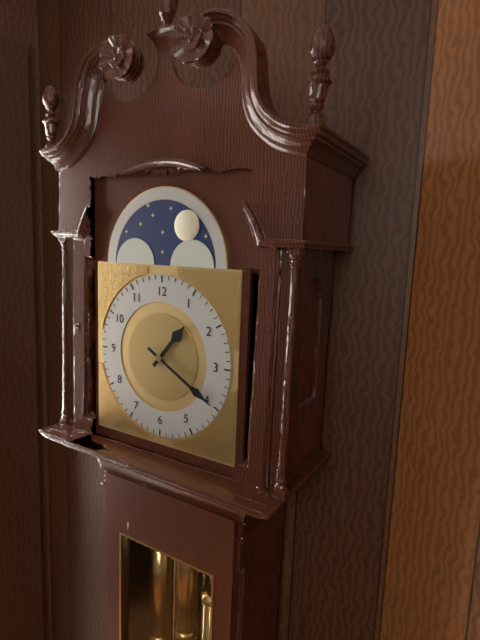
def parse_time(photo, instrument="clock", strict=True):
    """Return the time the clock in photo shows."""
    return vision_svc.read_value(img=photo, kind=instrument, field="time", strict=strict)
1:20
